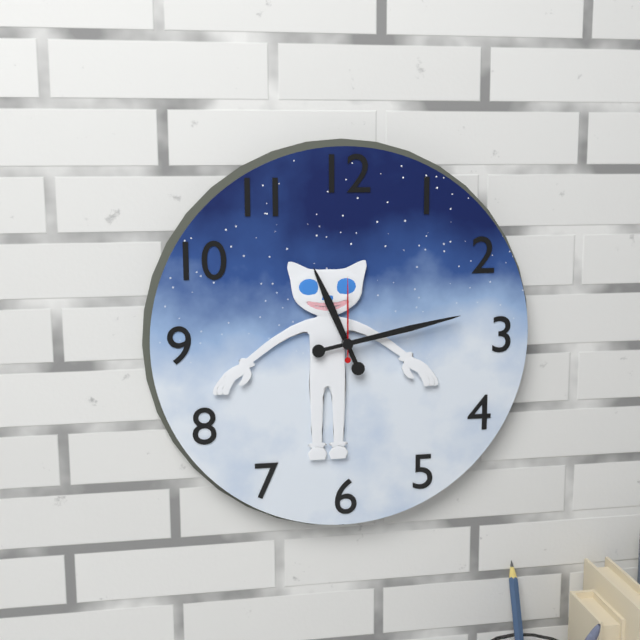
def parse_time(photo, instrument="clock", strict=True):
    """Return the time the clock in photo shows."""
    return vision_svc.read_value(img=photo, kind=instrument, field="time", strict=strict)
11:13:00
